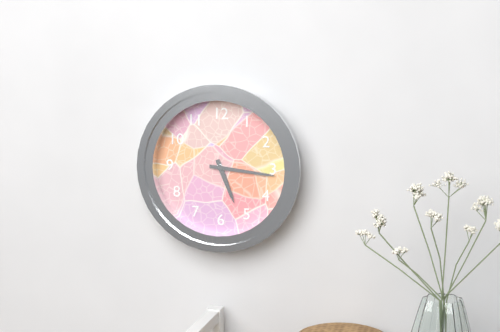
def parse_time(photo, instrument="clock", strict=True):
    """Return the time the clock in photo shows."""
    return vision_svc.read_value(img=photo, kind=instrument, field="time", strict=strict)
5:16
